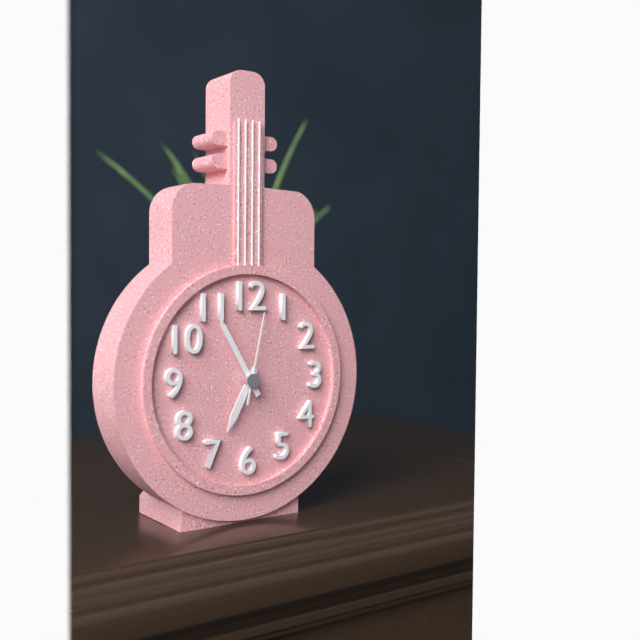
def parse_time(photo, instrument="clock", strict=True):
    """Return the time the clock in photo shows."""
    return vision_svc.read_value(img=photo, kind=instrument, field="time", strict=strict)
6:55:02
